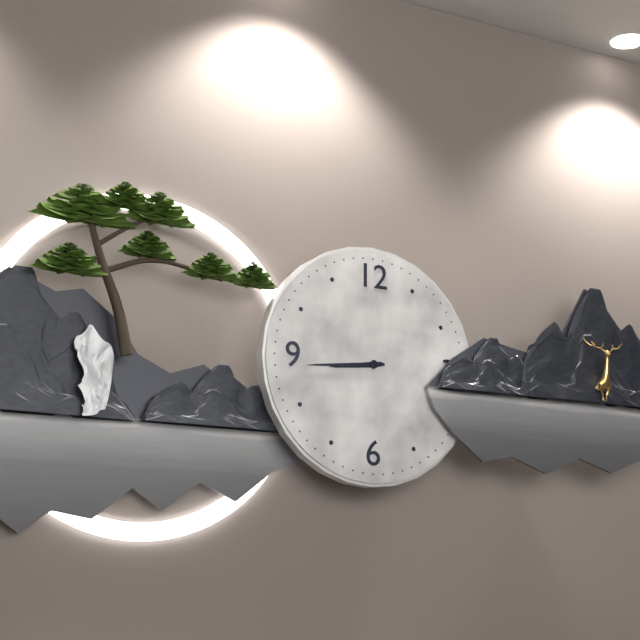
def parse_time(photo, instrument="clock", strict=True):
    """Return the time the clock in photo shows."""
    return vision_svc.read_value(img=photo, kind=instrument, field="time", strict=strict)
8:44
